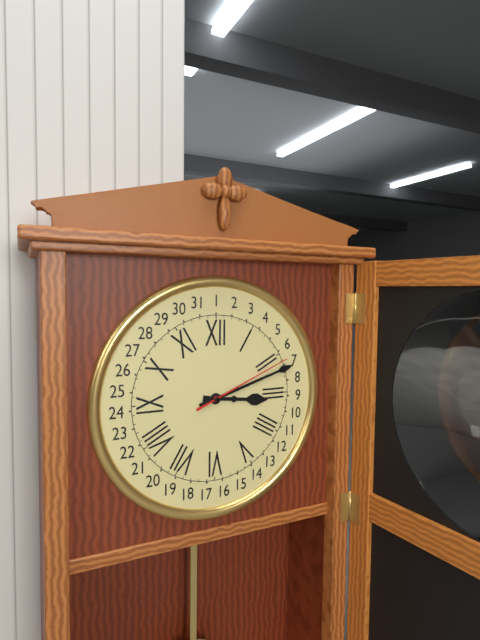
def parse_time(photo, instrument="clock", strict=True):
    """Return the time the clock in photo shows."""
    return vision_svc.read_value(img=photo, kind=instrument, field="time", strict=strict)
3:12:11
